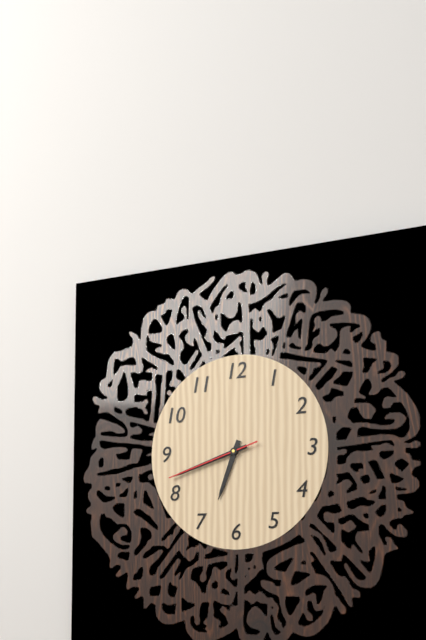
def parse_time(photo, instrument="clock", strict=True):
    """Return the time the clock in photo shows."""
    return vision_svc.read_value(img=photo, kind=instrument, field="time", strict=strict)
6:42:42
